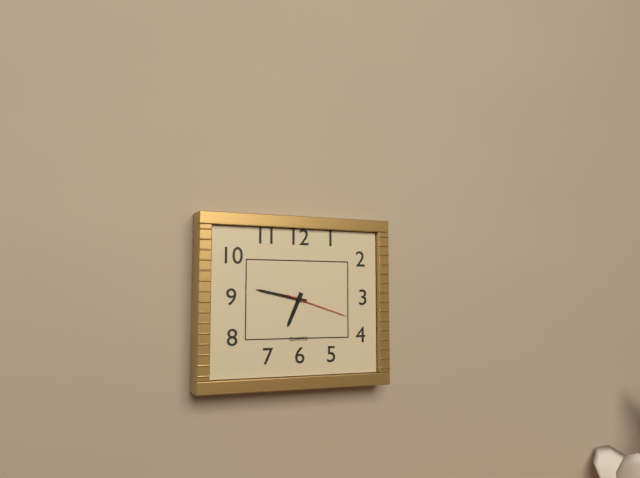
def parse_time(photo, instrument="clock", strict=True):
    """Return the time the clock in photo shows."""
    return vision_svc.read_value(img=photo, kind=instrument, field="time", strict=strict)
6:47:18
